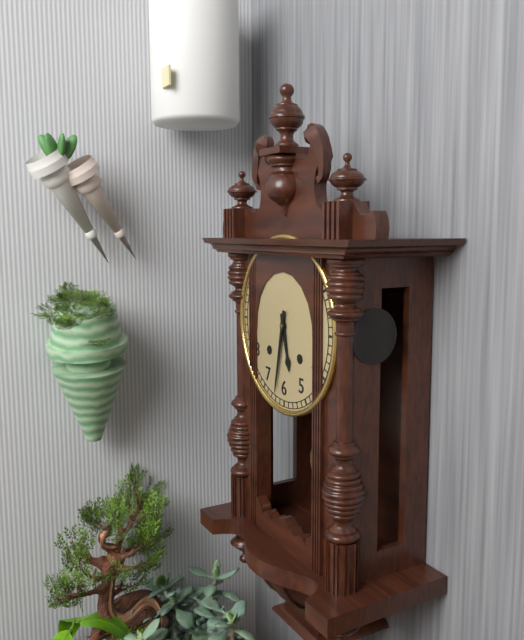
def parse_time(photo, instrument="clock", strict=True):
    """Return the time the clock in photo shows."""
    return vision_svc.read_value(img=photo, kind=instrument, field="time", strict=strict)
5:32
